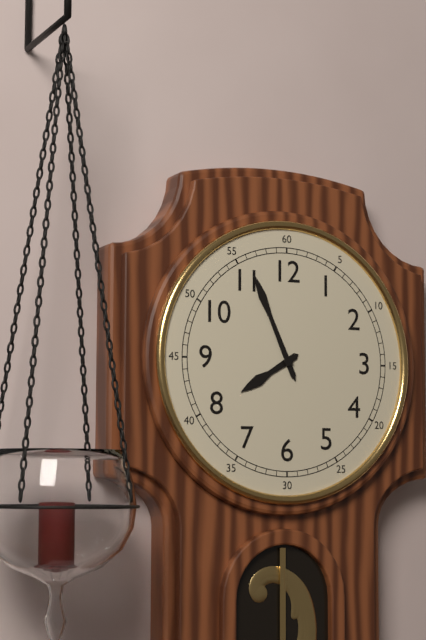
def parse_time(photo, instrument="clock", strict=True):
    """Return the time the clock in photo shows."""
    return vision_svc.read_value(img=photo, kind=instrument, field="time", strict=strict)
7:56
